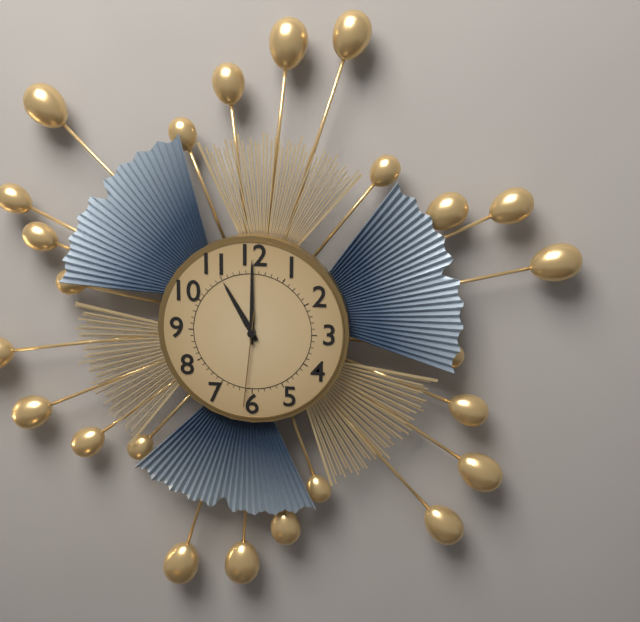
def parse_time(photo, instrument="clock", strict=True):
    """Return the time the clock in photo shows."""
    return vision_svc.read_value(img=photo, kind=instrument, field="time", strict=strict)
11:00:31
